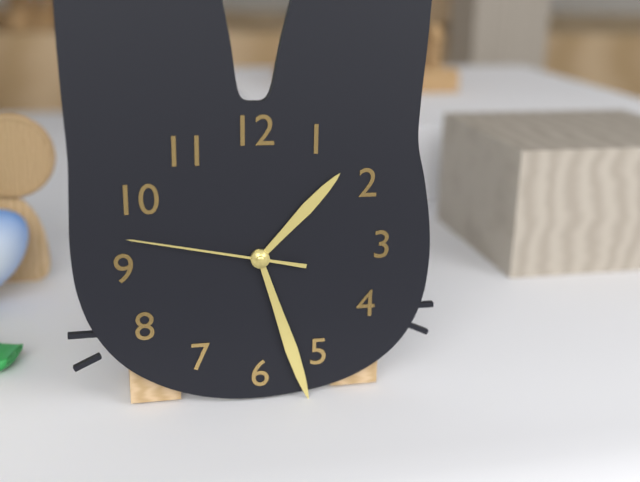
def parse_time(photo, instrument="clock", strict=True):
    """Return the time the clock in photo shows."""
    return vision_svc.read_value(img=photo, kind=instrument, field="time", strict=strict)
1:27:47
